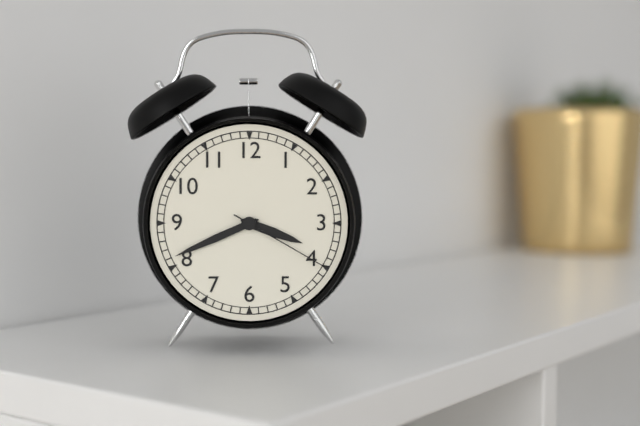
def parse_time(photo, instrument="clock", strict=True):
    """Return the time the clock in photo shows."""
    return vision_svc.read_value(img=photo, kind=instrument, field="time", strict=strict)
3:41:20
